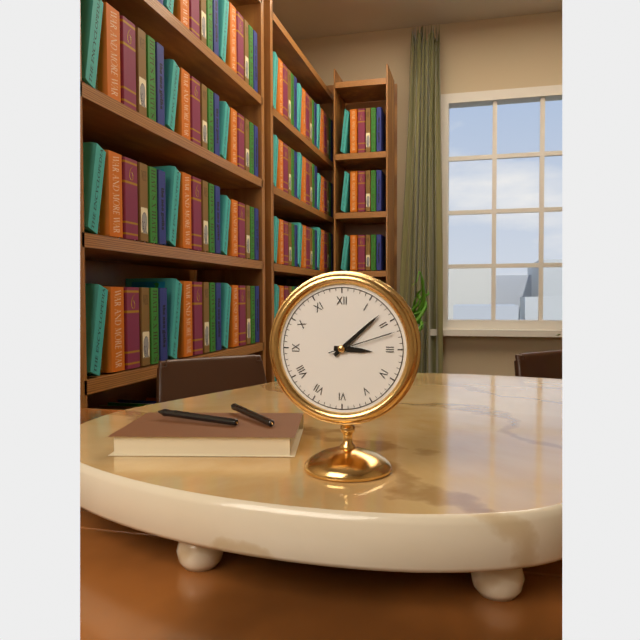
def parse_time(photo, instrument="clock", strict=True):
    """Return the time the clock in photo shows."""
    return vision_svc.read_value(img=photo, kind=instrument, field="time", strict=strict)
3:08:12
